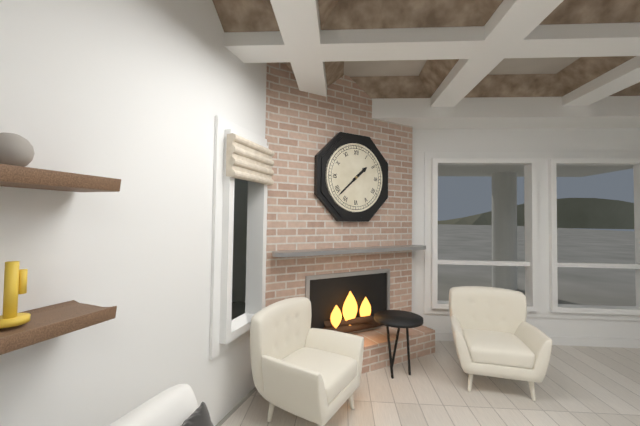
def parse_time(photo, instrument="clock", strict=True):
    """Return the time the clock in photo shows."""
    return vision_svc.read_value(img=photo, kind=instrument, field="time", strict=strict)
1:38
